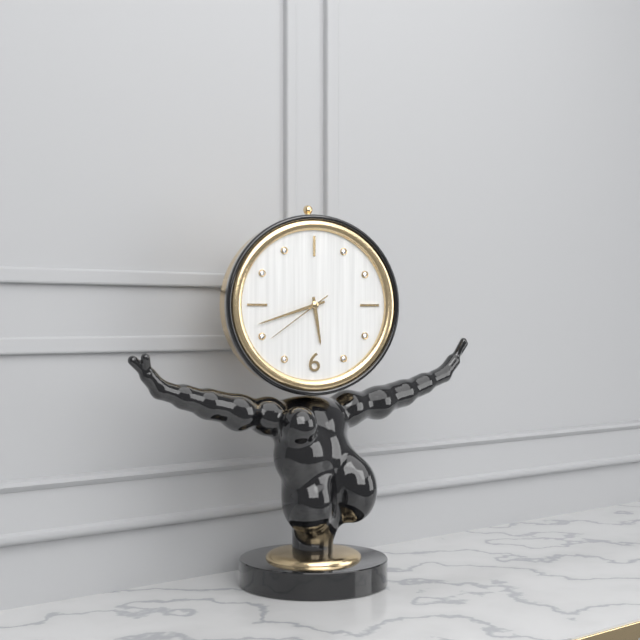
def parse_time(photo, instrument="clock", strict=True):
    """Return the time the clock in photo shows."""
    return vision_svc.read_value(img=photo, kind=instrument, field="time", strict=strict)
5:42:39
